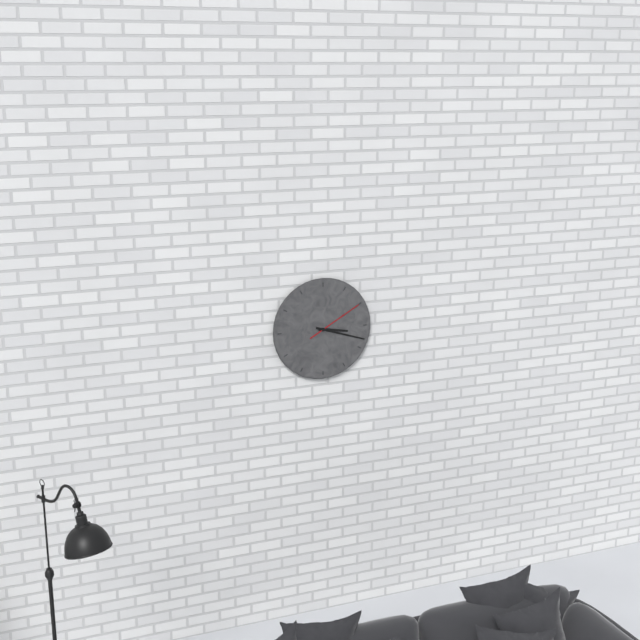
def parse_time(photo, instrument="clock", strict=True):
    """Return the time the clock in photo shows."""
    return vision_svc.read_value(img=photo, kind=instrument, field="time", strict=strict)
3:18:10
